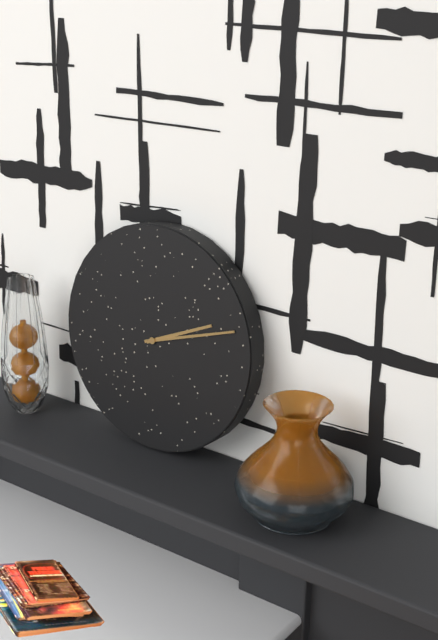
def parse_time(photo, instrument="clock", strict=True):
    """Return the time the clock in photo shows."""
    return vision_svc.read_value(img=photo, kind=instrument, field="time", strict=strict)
2:12
